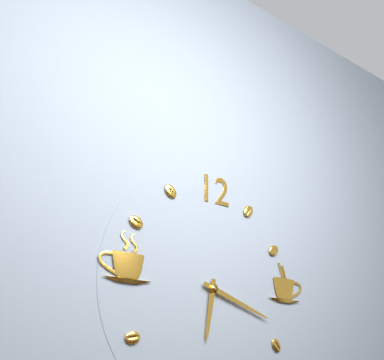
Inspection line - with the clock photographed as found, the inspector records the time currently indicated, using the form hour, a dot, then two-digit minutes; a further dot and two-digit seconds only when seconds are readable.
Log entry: 6.18
